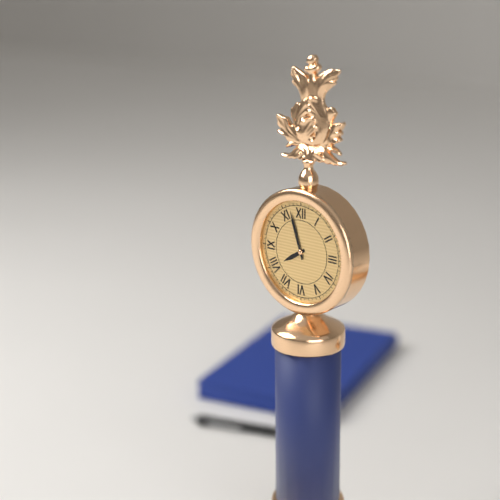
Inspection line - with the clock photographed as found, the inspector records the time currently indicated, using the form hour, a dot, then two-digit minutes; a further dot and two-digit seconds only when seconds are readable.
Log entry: 7.57
